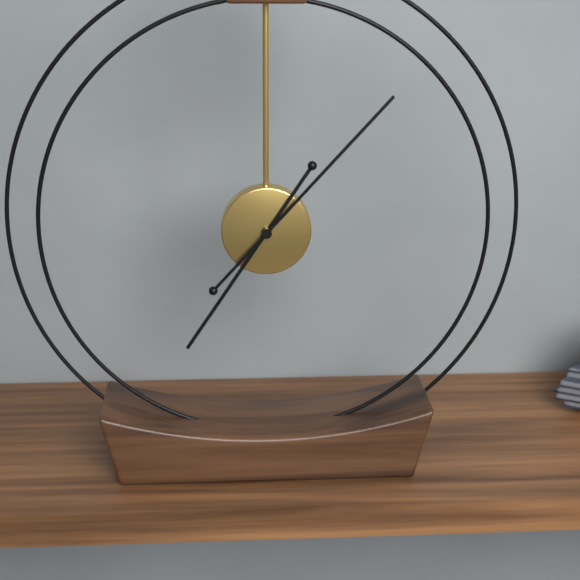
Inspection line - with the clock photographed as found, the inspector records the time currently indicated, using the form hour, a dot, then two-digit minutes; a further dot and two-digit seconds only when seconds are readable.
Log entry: 7.07
